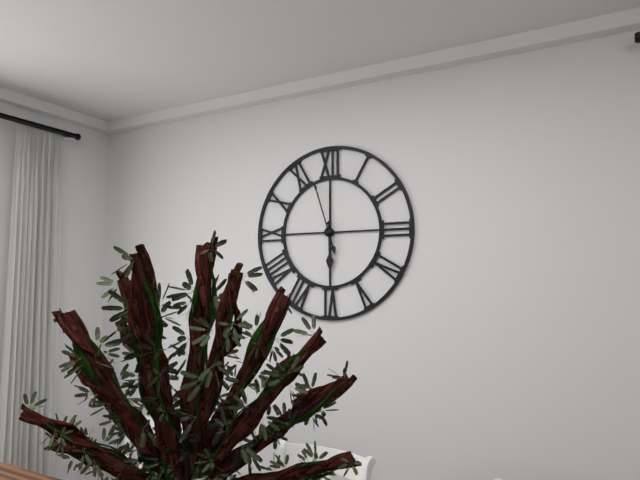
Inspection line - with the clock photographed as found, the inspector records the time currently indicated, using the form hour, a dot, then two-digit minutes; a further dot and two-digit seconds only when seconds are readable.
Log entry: 5.57
